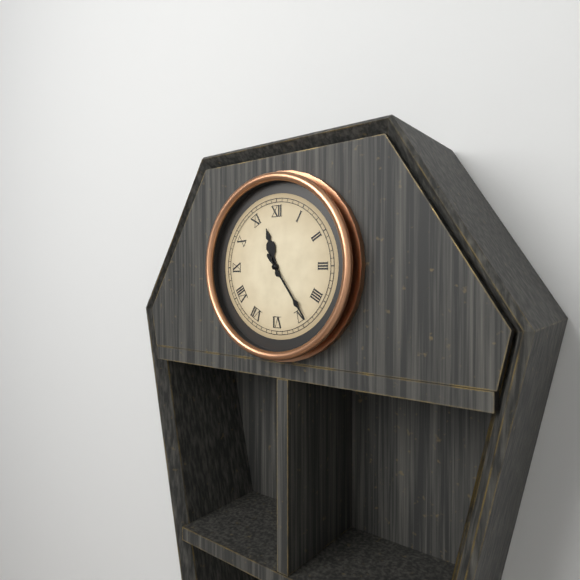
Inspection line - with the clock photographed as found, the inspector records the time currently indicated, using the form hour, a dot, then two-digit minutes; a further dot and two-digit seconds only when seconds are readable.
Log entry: 11.24
